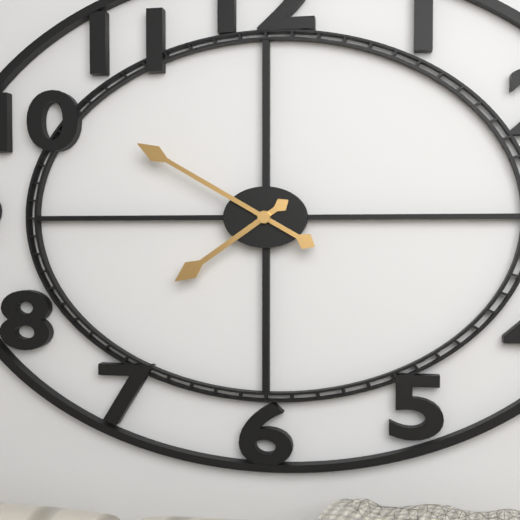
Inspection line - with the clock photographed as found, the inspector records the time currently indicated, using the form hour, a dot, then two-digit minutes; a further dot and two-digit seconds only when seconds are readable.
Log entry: 7.50
